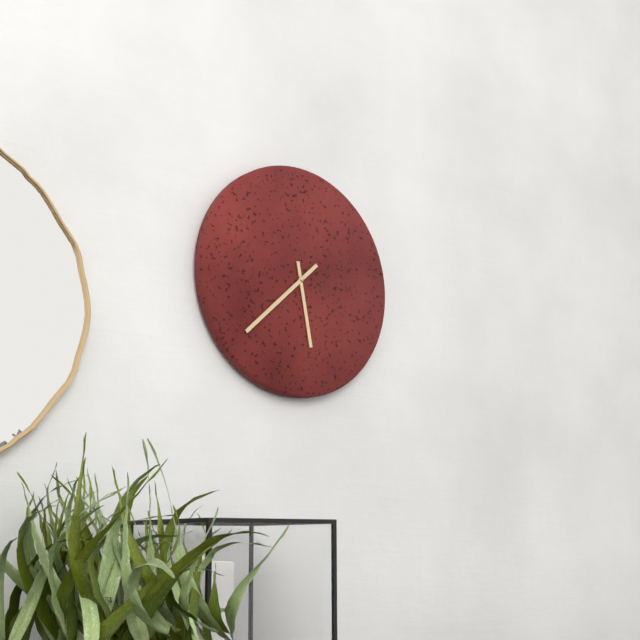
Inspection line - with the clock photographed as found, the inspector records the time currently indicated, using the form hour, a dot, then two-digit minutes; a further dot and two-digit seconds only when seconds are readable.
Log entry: 5.38
